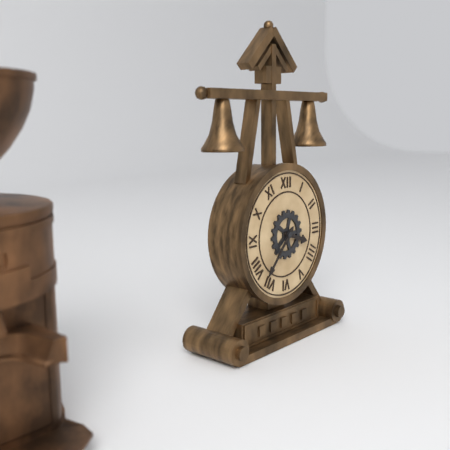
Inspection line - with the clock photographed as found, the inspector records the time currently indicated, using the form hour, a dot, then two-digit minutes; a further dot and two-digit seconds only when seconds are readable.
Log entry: 3.37
